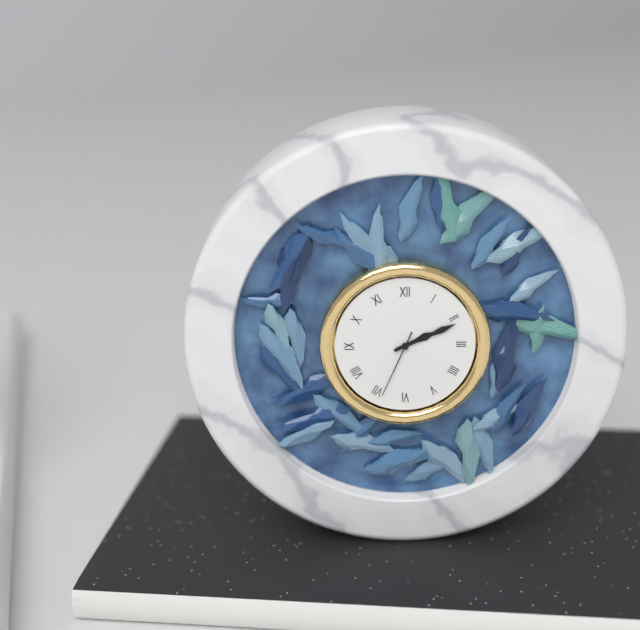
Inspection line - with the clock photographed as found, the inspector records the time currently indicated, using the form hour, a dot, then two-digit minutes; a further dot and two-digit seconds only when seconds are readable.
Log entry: 2.11.34
